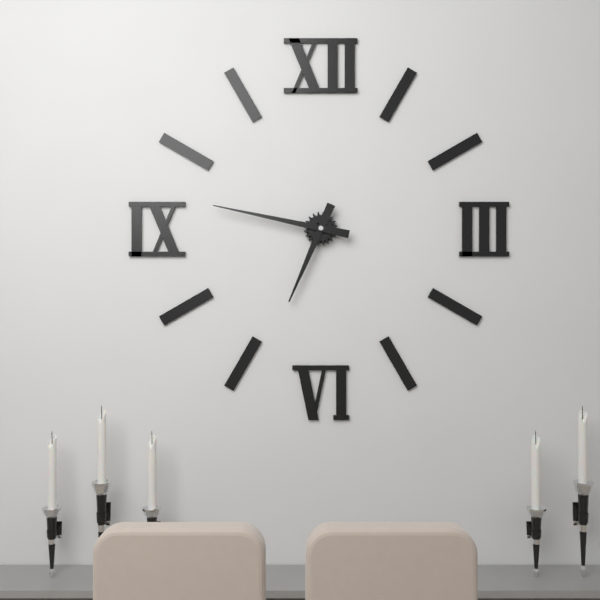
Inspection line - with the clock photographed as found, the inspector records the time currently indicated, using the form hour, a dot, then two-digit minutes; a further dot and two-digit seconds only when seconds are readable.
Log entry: 6.47
